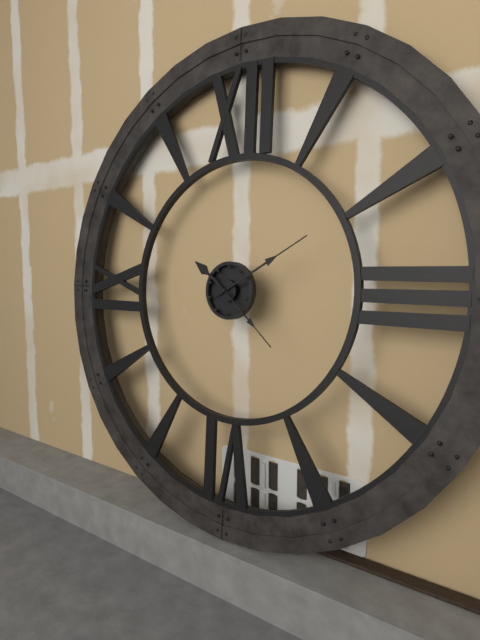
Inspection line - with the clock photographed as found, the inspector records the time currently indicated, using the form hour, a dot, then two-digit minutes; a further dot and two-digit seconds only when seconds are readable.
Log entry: 10.10.22
